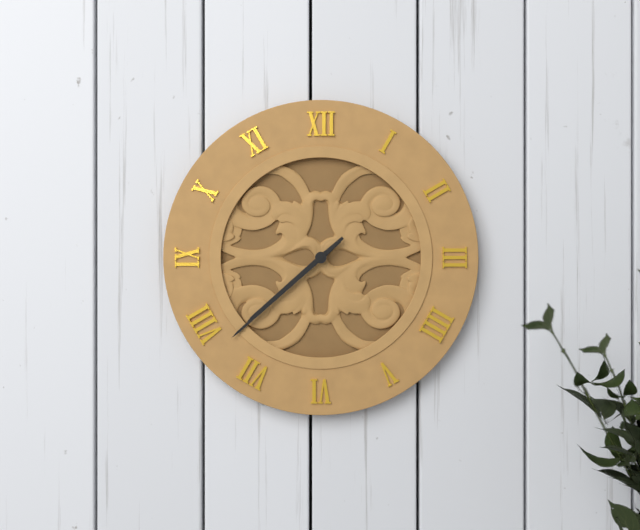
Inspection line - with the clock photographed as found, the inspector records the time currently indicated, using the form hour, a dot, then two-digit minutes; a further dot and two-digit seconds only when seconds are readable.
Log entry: 7.38
